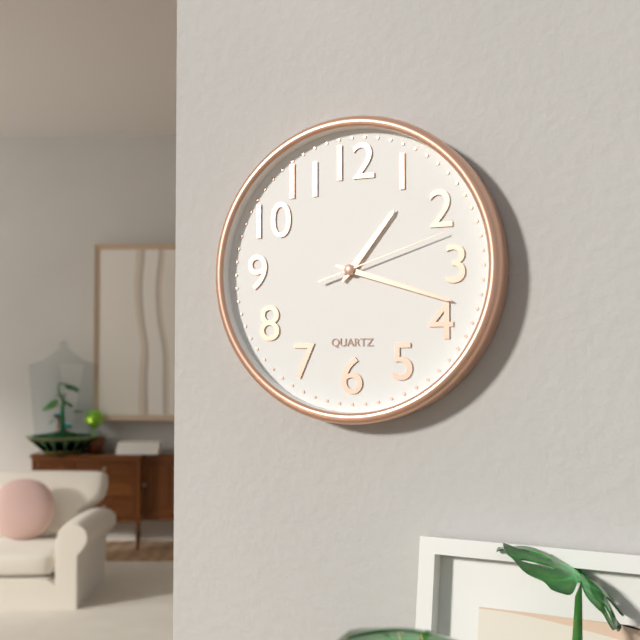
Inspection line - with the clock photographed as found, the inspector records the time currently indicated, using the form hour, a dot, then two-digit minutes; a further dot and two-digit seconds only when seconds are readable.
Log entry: 1.18.12
